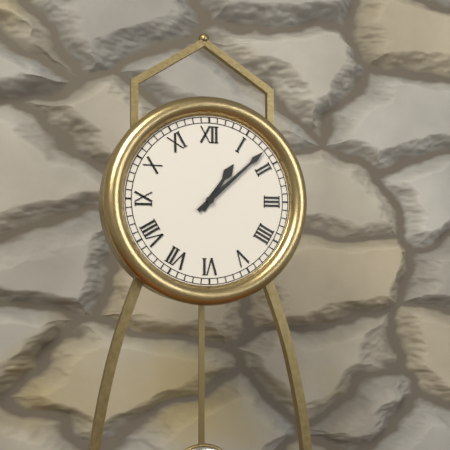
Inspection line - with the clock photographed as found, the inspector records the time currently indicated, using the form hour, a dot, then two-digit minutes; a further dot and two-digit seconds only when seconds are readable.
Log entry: 1.08
